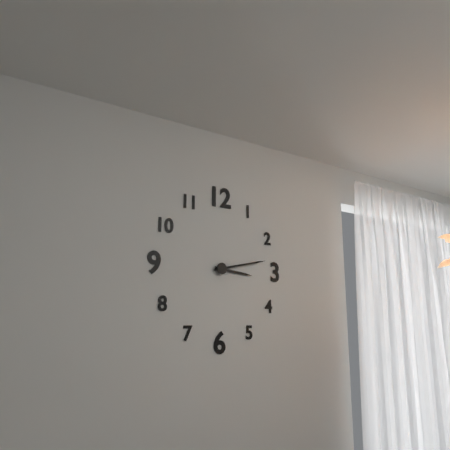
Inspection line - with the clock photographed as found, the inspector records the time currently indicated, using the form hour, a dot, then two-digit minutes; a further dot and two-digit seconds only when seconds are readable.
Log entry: 3.13
